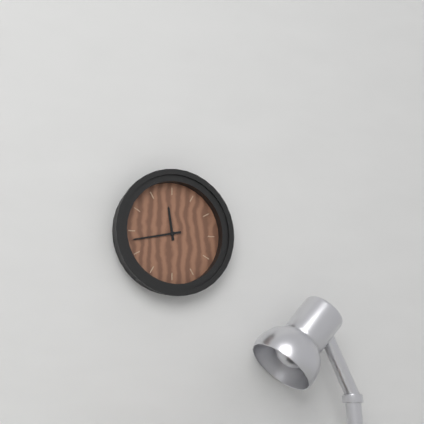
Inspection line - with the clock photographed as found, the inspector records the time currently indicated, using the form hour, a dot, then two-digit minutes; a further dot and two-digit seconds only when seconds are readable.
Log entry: 11.43
